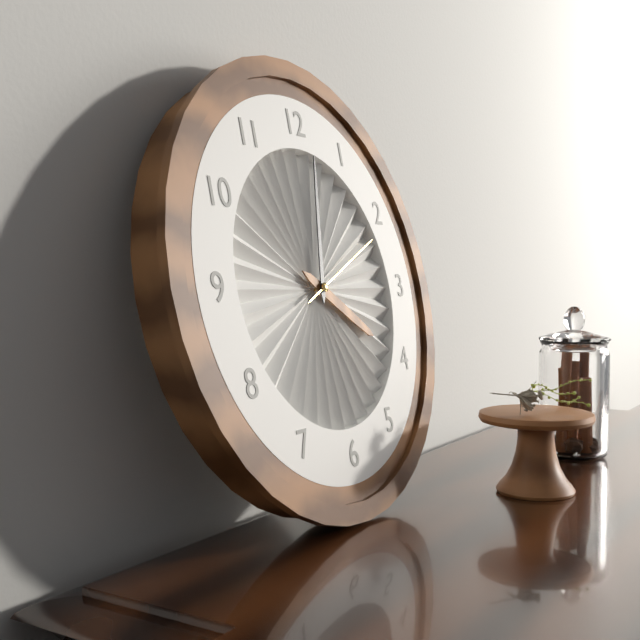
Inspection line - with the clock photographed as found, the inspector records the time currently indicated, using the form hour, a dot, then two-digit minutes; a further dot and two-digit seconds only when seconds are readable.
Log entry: 4.02.11
